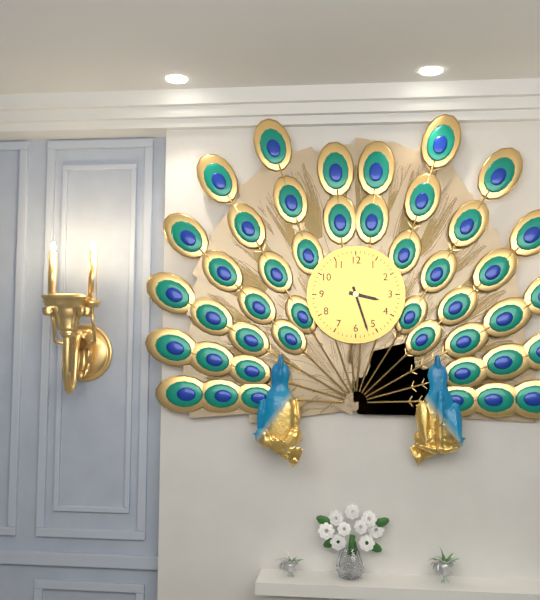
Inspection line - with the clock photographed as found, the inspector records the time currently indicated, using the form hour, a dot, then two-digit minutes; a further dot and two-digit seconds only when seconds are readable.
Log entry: 3.27
